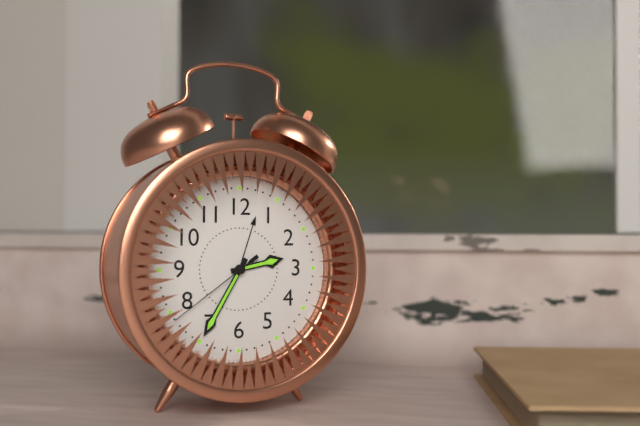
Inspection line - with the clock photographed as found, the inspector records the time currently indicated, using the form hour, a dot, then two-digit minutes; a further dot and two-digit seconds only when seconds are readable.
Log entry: 2.35.39
